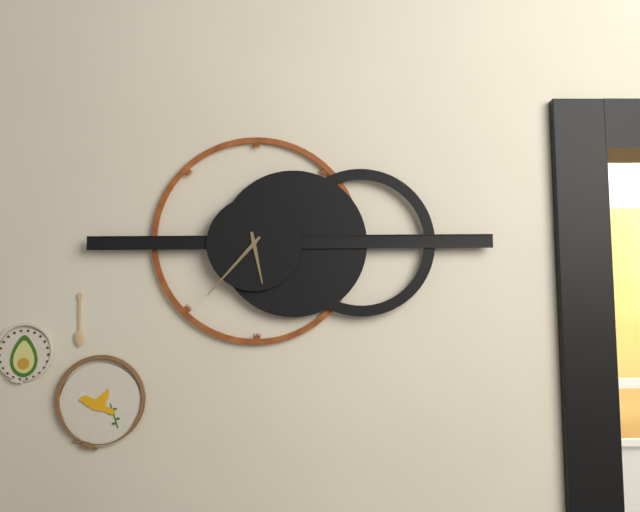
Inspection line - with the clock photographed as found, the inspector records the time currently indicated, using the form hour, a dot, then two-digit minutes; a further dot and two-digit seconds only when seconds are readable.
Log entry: 5.37
